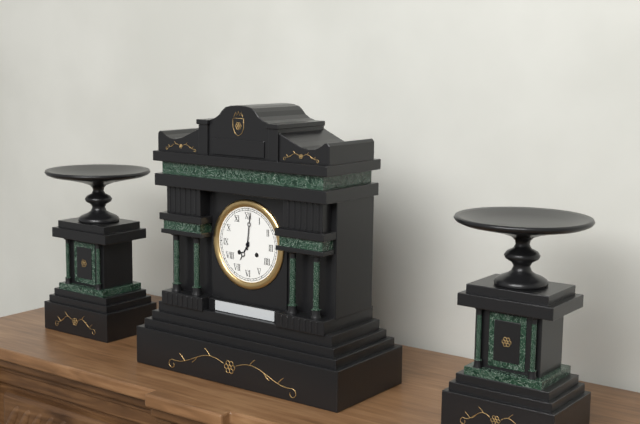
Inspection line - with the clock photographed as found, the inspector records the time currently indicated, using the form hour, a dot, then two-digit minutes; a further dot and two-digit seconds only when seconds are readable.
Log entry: 7.01
